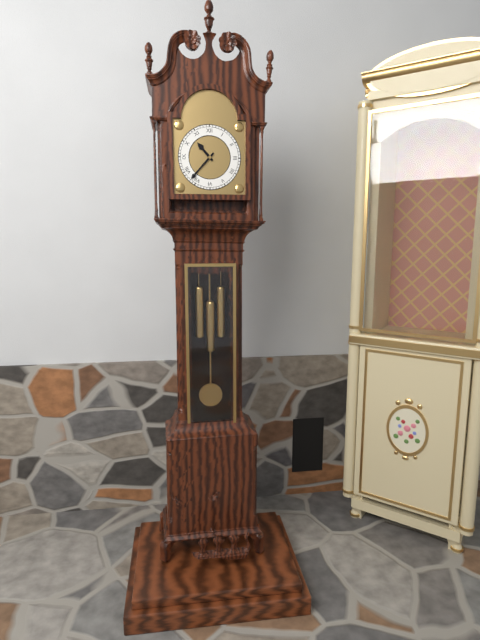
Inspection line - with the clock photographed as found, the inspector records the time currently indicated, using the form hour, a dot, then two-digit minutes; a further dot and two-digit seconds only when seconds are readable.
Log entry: 10.37
